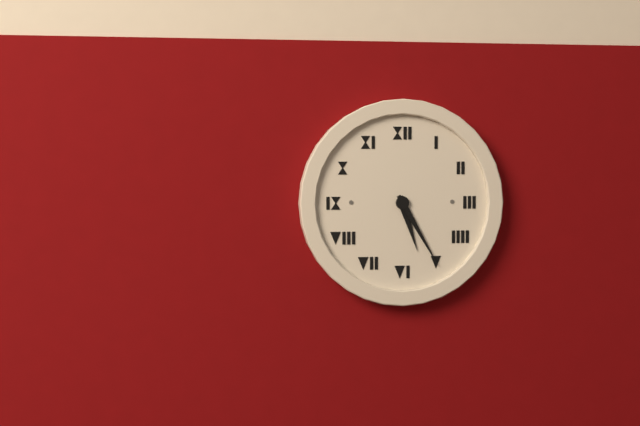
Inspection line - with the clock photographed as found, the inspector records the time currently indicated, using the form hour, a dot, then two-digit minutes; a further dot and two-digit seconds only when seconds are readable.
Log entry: 5.25
